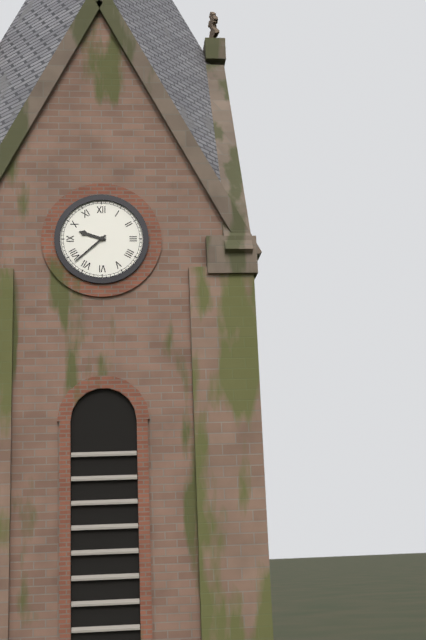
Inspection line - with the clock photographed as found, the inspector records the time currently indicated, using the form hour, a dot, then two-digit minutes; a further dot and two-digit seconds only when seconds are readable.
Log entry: 9.38
